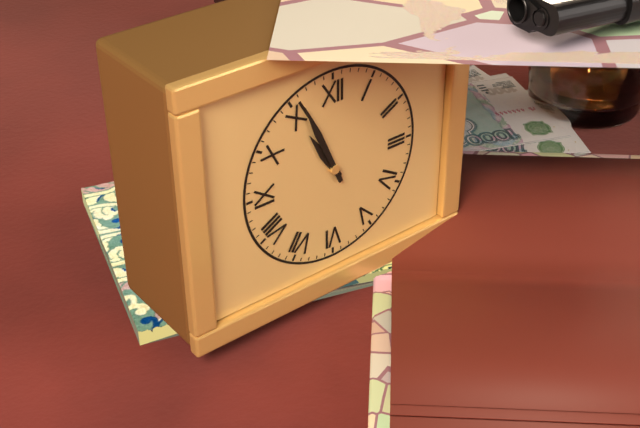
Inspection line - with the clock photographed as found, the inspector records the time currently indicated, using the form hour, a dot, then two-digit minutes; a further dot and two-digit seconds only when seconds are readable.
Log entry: 10.56
